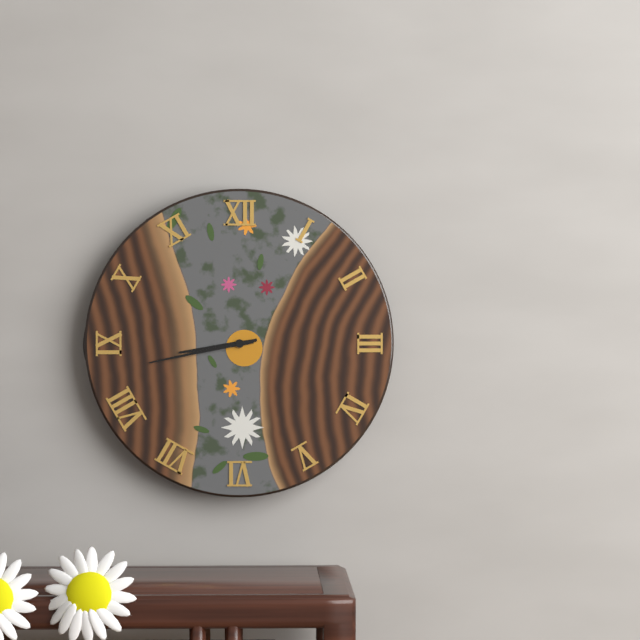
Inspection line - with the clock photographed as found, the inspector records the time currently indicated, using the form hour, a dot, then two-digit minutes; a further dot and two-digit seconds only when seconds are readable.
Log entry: 8.43
